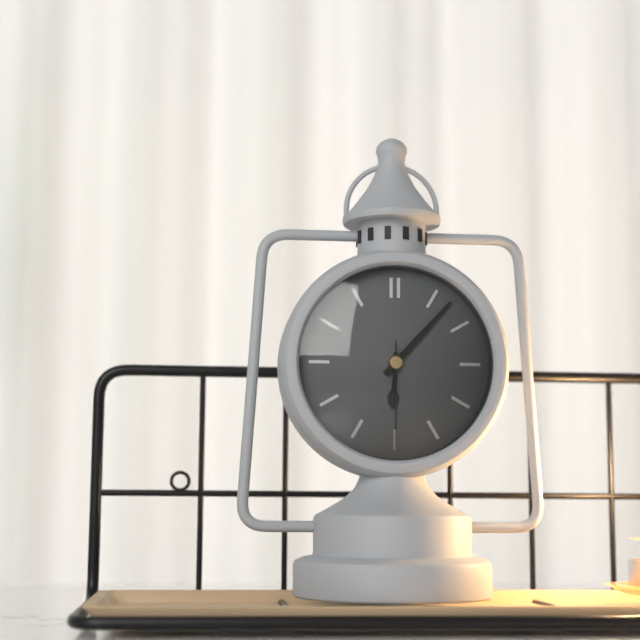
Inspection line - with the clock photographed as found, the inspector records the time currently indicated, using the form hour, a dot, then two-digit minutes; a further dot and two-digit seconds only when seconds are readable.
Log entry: 6.07.30
